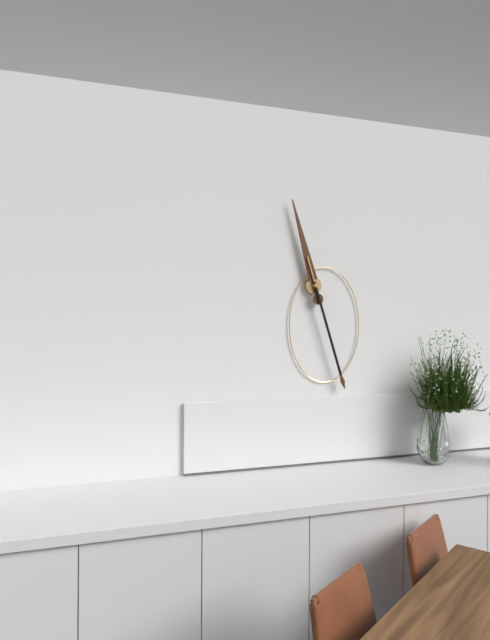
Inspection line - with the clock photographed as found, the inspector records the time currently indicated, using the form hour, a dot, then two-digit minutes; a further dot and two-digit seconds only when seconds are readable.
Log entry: 11.27
